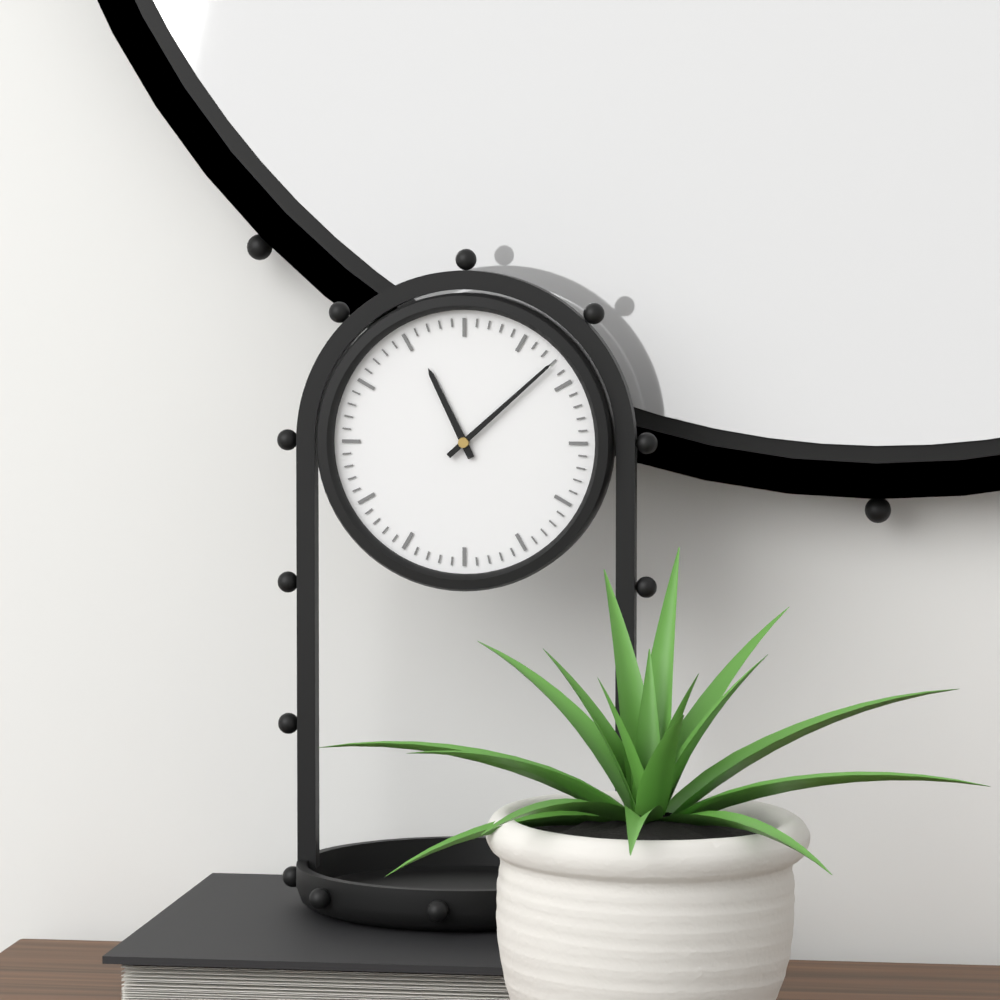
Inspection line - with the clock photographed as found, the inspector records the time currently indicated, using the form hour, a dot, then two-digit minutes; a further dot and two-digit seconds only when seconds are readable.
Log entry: 11.08
